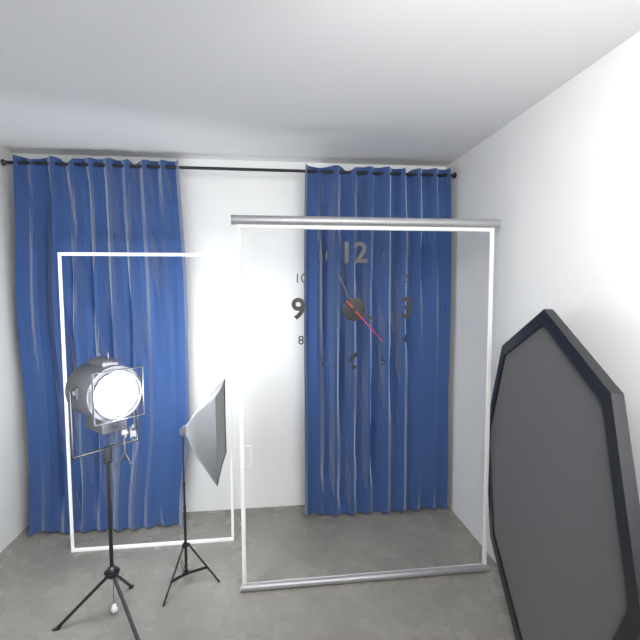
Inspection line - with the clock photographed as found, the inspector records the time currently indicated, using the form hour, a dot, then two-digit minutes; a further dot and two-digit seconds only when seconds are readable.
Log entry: 3.56.23
